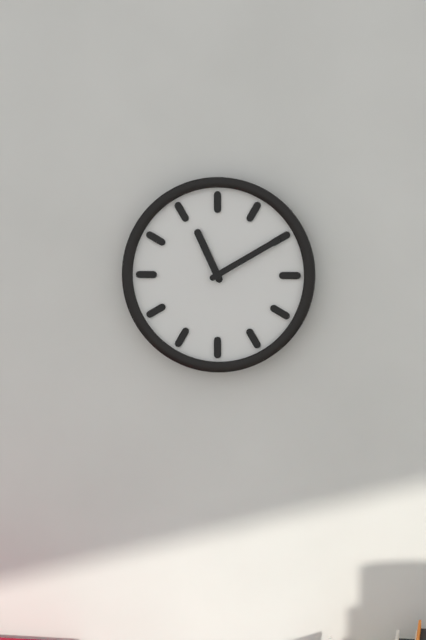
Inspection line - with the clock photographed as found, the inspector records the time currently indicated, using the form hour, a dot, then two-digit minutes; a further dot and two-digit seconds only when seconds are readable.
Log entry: 11.10
